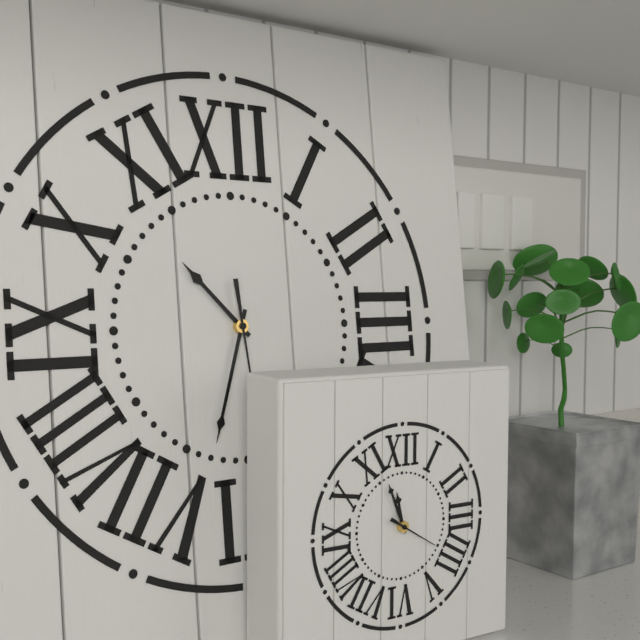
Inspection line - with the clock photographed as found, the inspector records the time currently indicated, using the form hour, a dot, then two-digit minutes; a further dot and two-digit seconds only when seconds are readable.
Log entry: 10.33
